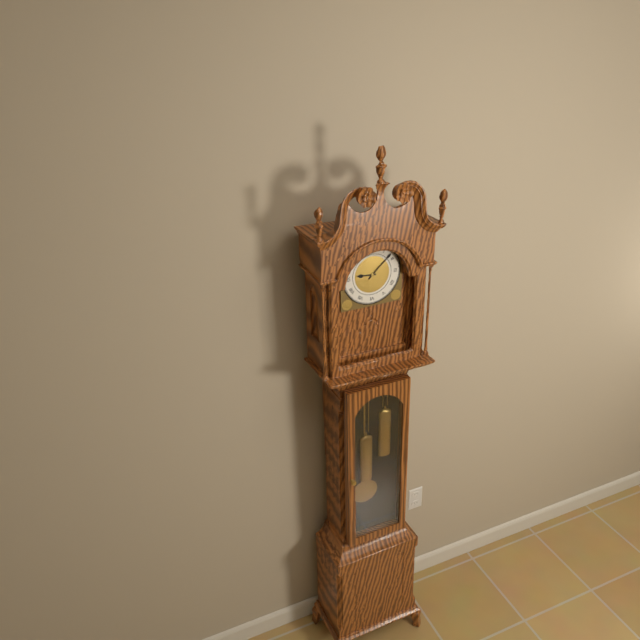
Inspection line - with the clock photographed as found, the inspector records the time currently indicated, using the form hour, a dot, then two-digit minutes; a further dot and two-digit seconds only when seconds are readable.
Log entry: 9.08
